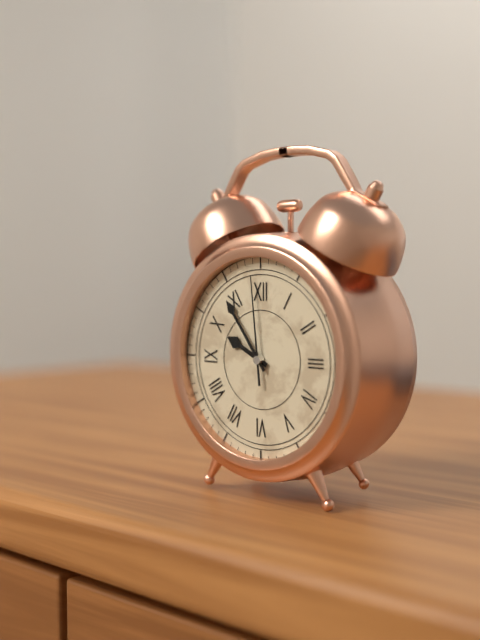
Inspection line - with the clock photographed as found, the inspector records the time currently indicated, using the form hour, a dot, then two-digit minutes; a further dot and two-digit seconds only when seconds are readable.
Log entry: 9.54.59
